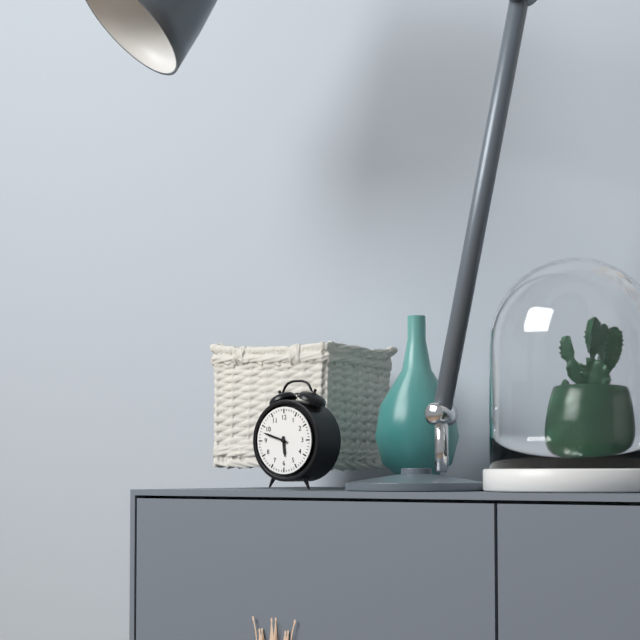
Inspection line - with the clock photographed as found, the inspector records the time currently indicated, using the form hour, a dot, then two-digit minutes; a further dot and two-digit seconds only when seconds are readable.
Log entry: 5.48
